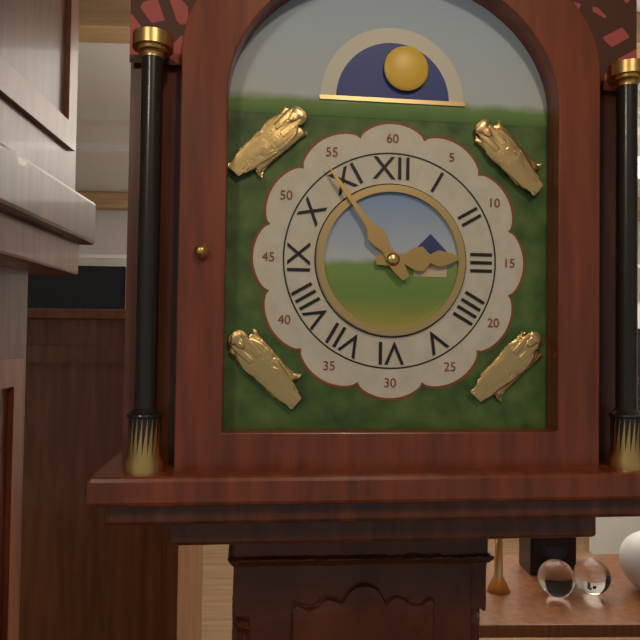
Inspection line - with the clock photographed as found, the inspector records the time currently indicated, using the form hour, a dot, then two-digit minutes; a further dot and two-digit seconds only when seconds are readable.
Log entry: 2.54
